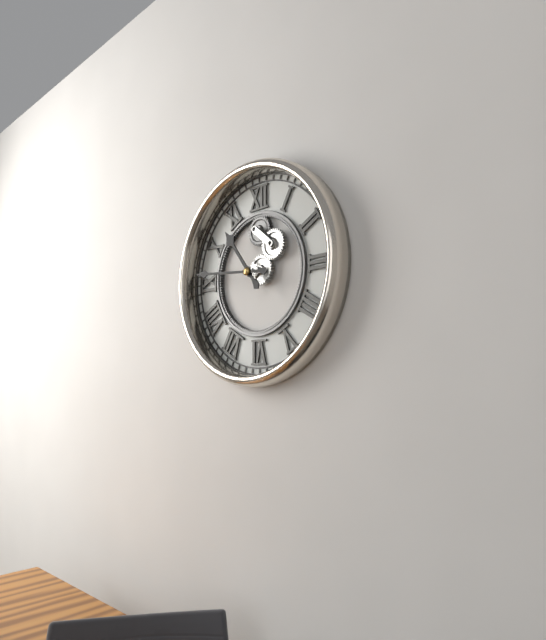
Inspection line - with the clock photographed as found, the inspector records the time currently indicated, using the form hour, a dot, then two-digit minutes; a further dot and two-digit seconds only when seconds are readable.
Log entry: 10.46
